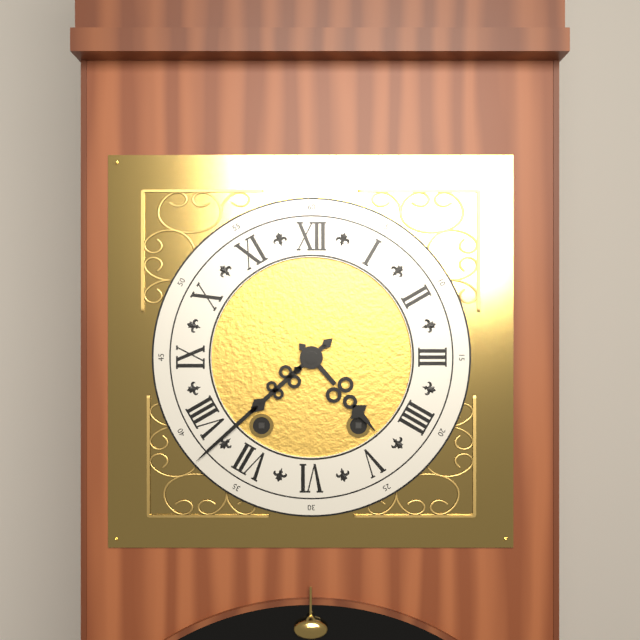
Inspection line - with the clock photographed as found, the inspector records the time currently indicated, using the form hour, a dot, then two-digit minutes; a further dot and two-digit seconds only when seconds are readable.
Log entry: 4.38
